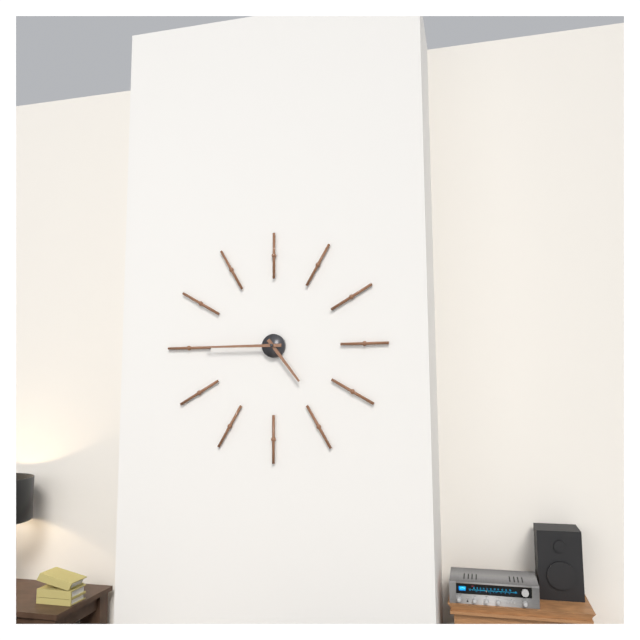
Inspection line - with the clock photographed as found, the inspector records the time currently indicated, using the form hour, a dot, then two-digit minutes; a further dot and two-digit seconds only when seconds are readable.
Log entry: 4.45
